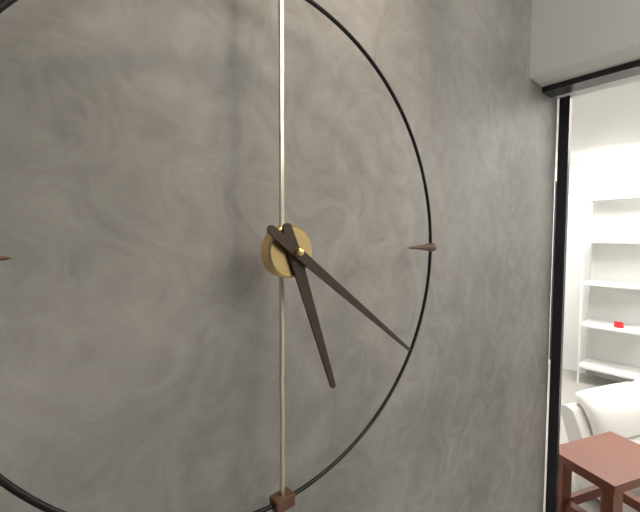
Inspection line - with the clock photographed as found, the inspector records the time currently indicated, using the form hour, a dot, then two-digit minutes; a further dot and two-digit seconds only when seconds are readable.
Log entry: 5.21
